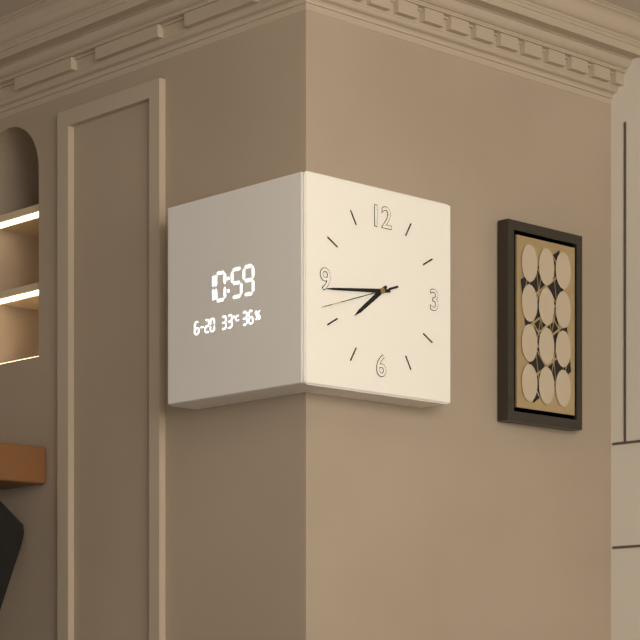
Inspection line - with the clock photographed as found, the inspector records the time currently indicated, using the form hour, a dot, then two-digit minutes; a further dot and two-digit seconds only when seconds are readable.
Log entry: 7.44.42
